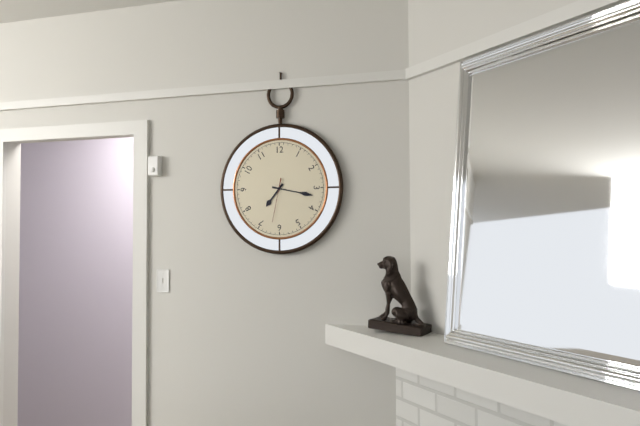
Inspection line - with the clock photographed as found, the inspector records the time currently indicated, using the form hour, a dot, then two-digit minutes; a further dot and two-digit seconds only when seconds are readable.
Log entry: 7.17
